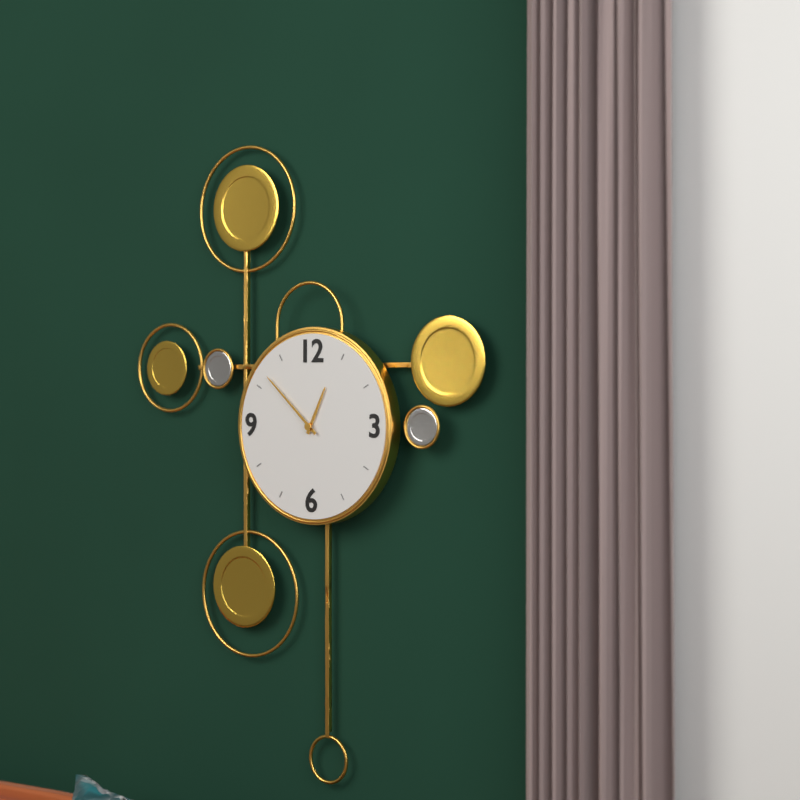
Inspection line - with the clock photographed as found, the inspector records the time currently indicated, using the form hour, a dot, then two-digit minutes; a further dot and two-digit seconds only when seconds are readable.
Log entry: 12.52
